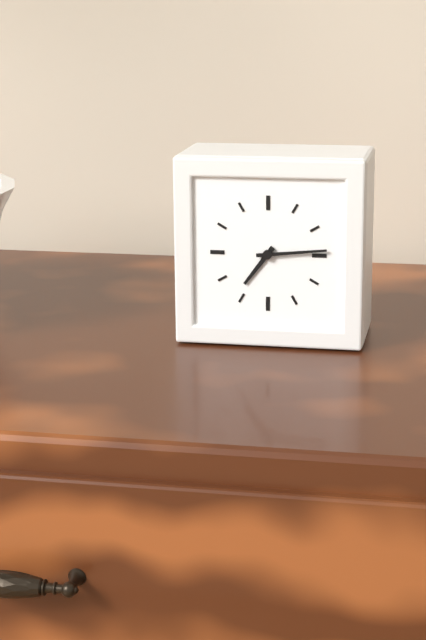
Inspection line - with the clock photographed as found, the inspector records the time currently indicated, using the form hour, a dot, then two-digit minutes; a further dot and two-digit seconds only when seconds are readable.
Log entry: 7.14
